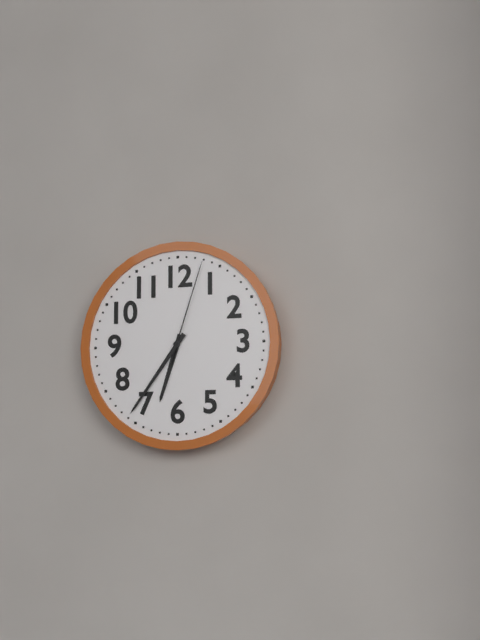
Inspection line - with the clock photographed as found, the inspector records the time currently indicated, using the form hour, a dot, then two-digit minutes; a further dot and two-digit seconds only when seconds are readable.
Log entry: 6.36.03
